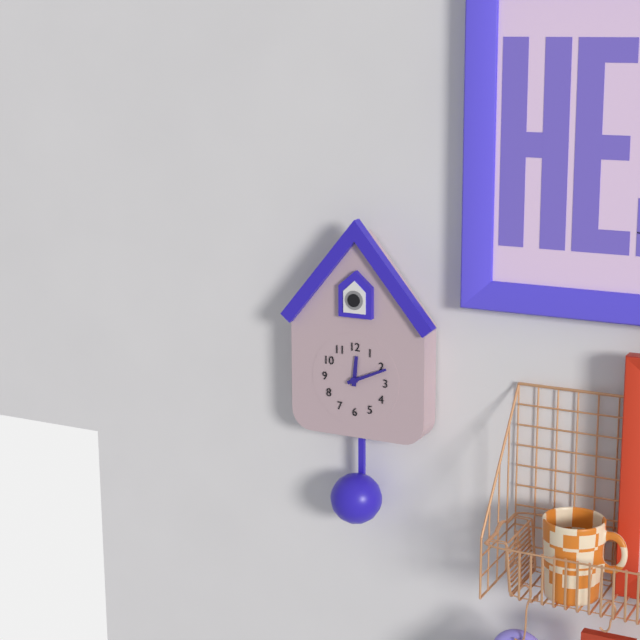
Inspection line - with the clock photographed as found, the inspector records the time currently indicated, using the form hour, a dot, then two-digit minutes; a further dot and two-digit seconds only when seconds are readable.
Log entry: 12.11
